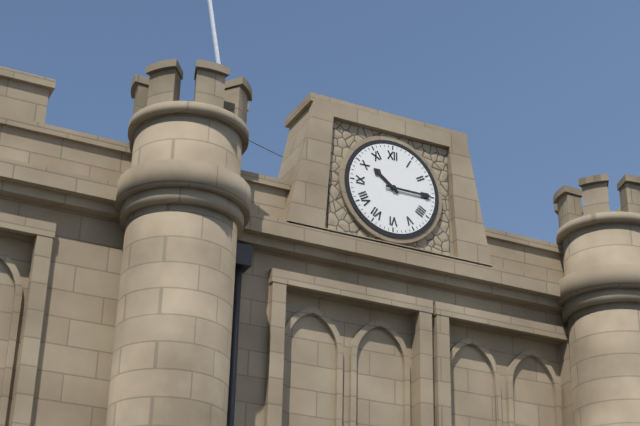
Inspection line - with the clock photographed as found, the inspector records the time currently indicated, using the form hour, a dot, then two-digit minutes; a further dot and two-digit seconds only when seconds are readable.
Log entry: 10.15
